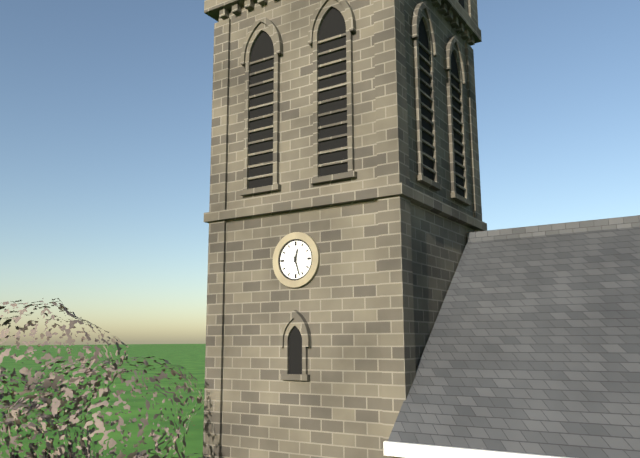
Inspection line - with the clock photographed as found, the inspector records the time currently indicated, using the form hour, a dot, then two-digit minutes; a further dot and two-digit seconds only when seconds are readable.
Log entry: 12.27
